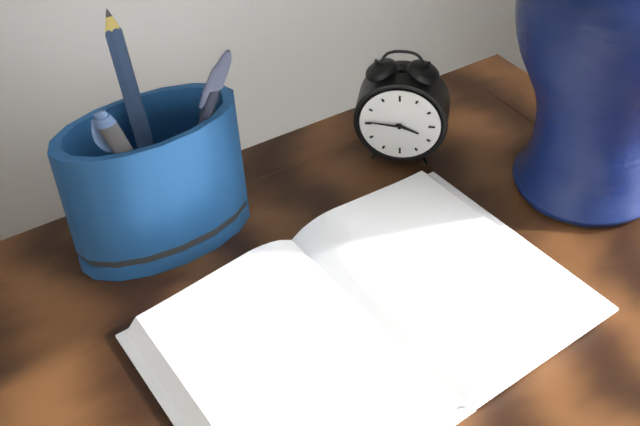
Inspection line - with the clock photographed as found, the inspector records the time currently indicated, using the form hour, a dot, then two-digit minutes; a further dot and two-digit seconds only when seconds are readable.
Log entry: 3.46
